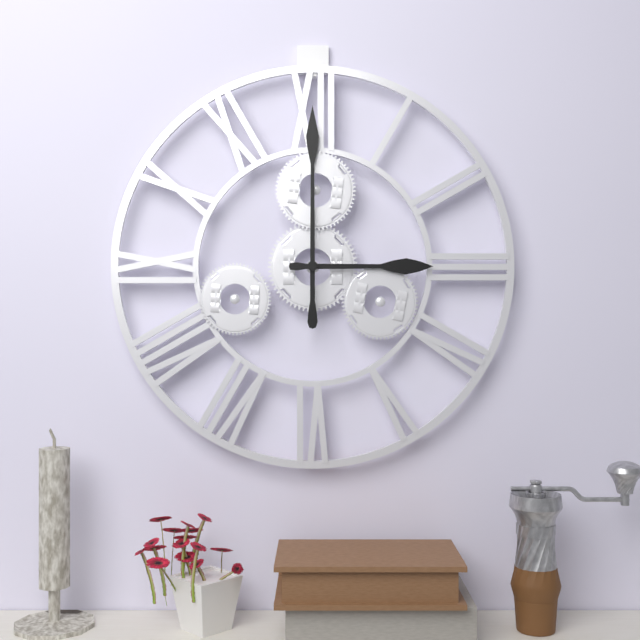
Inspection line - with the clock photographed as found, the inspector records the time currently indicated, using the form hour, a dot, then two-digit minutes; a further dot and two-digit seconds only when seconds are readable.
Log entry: 3.00
